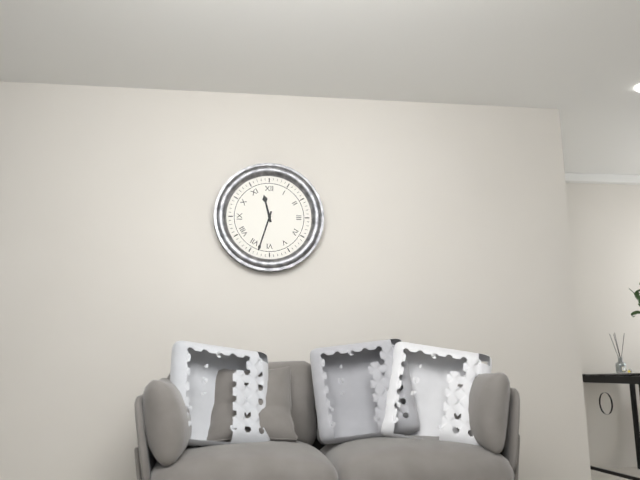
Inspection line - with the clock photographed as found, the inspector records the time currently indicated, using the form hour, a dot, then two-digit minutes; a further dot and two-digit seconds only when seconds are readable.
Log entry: 11.33
